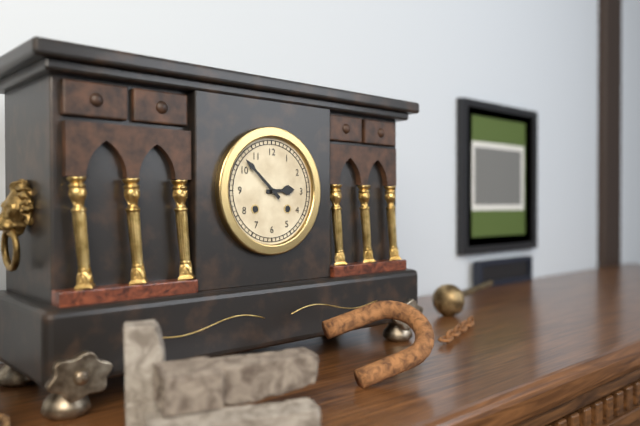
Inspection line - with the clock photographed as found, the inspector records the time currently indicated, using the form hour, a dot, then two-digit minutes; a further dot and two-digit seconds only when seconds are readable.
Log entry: 2.52
